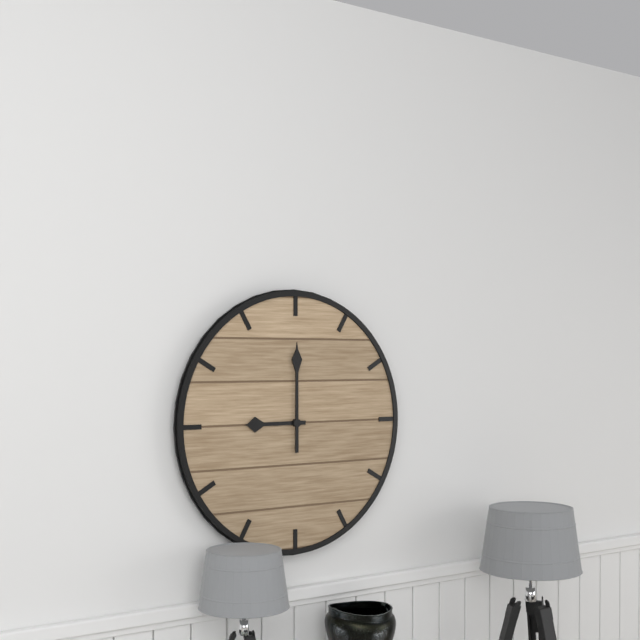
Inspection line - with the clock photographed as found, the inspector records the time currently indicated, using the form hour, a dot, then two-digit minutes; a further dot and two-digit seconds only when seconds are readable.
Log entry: 9.00
